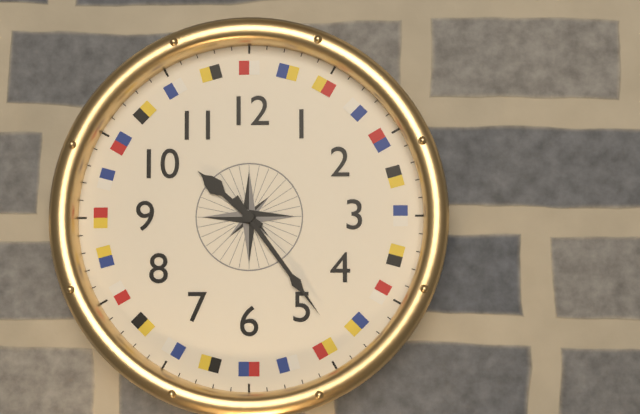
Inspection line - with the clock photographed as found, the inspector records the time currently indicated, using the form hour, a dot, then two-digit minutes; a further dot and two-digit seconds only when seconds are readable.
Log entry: 10.24
